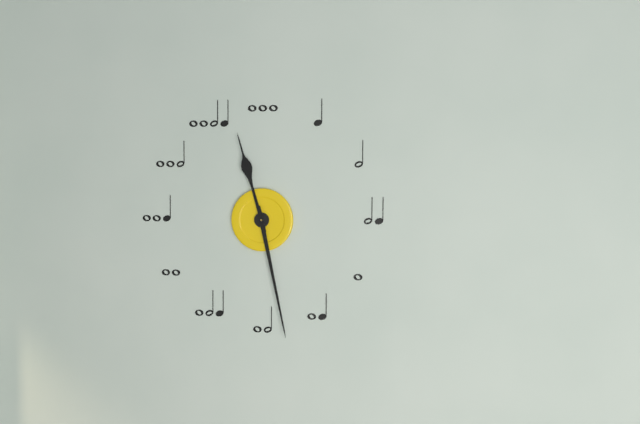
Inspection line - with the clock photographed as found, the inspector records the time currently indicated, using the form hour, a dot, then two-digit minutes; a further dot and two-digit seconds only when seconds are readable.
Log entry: 11.28
